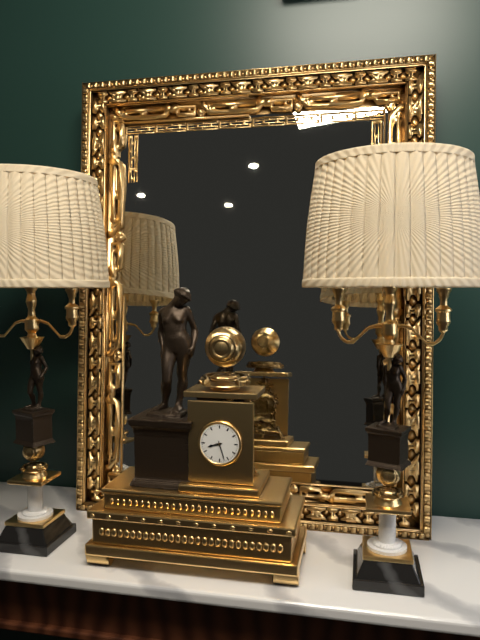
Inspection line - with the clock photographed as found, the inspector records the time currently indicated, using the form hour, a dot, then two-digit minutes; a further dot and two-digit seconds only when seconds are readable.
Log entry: 8.27
